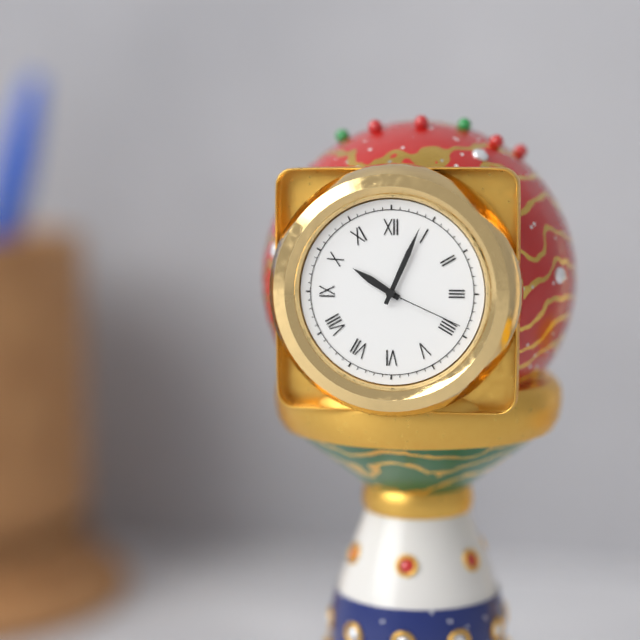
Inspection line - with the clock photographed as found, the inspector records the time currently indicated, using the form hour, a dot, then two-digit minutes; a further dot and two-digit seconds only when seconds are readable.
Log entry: 10.04.19
